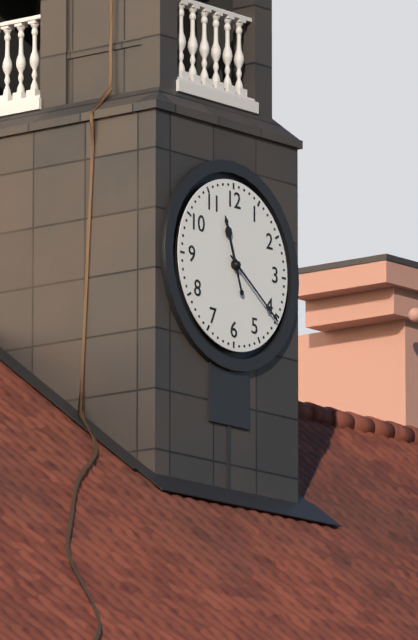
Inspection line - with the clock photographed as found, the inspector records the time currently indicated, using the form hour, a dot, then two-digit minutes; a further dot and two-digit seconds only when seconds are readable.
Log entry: 11.21
